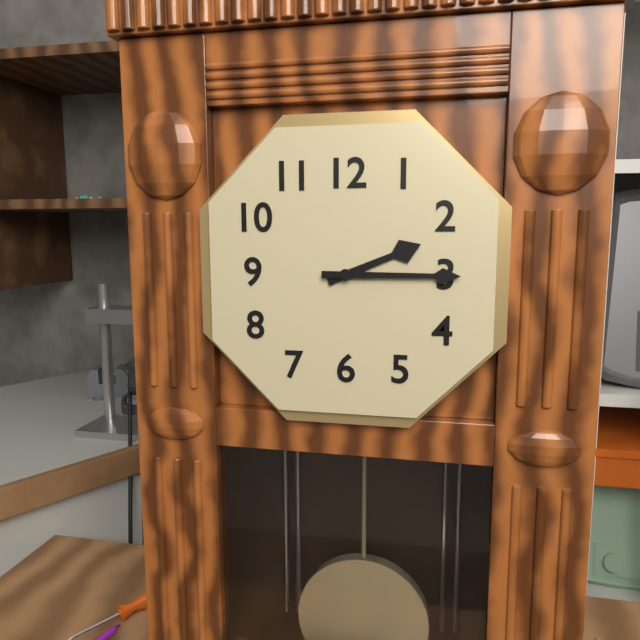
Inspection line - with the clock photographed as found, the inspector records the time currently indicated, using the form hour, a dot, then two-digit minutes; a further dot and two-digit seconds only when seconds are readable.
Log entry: 2.15
